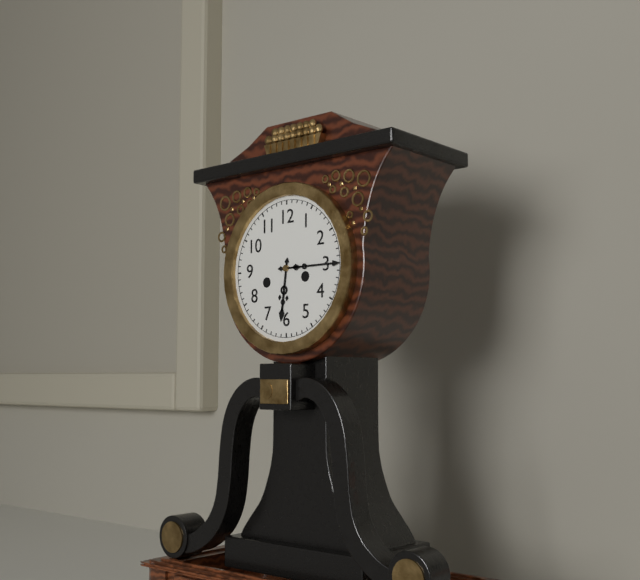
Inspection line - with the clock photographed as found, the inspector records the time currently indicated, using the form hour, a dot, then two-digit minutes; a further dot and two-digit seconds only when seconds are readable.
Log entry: 6.15
